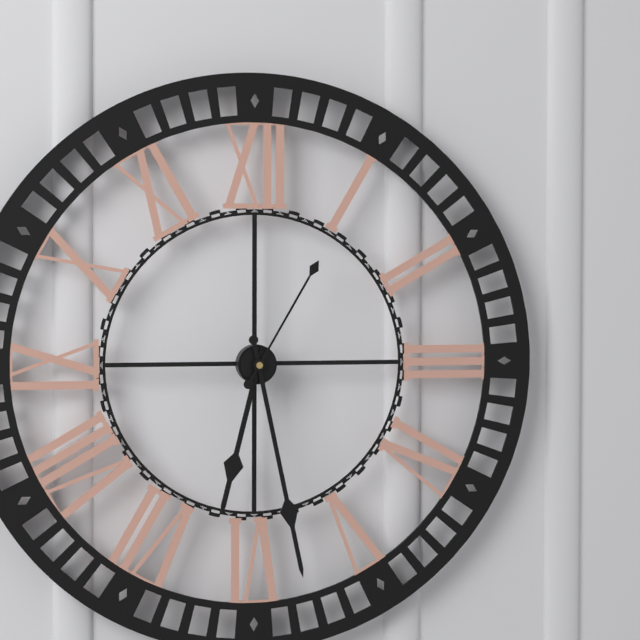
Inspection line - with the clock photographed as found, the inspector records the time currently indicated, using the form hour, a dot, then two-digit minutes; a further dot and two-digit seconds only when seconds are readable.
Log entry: 6.28.05
